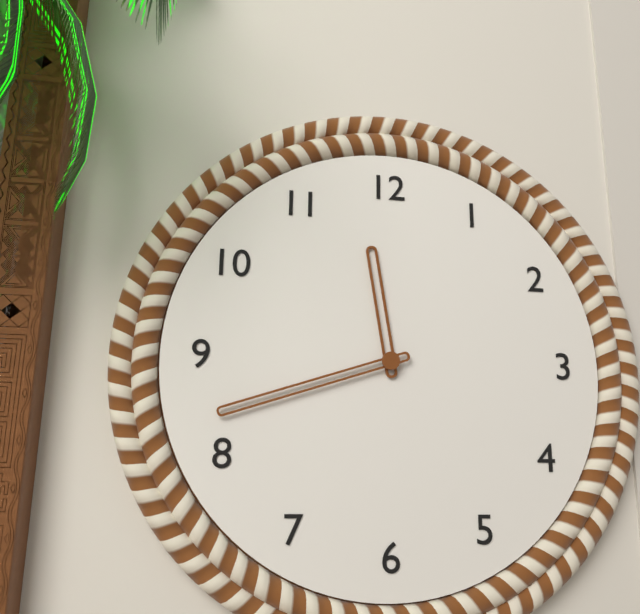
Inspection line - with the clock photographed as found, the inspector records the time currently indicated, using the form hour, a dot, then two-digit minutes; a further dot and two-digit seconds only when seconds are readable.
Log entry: 11.42
